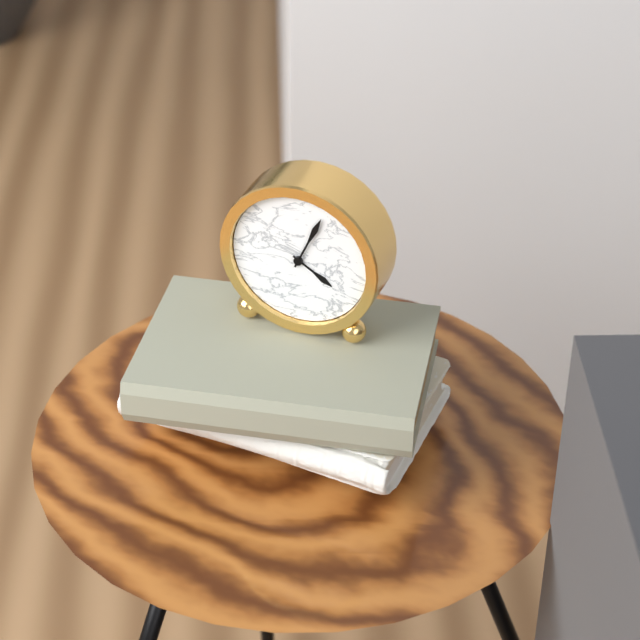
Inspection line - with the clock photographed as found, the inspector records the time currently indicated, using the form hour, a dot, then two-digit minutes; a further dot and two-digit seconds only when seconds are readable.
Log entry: 4.04
